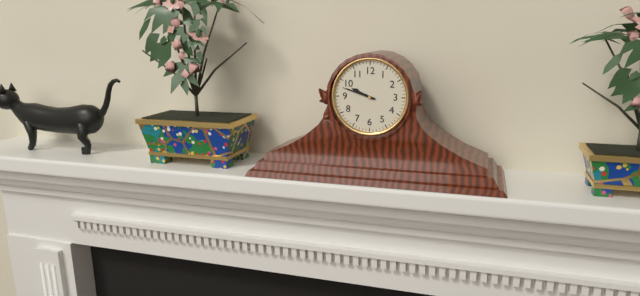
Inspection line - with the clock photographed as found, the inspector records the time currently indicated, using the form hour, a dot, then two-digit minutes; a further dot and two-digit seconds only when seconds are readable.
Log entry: 9.48
